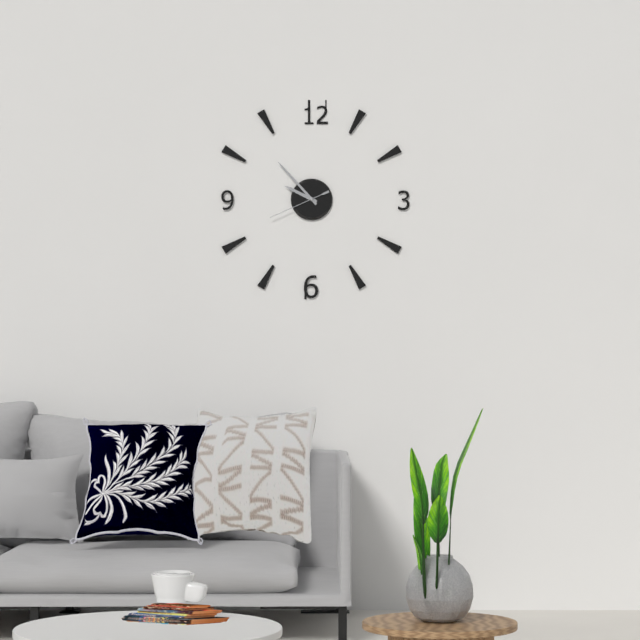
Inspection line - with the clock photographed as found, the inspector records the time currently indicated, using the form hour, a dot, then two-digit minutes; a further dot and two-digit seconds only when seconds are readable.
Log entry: 9.53.41
